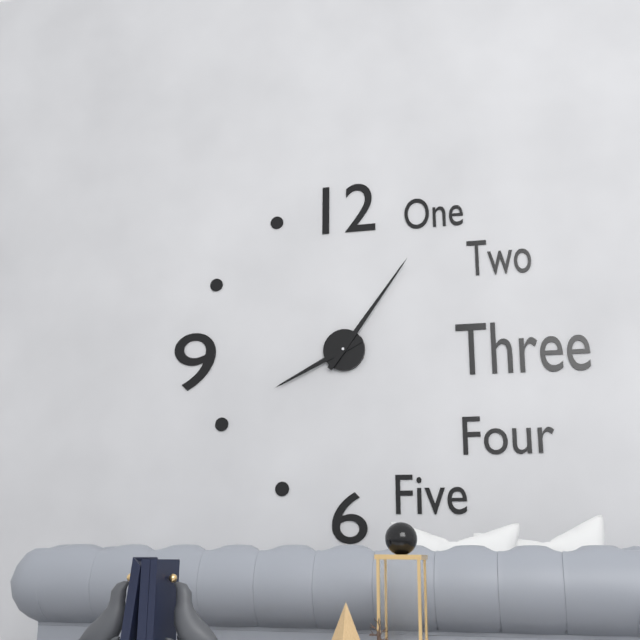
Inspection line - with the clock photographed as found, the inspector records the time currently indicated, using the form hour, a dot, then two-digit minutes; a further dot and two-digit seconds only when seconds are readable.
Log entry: 8.06
